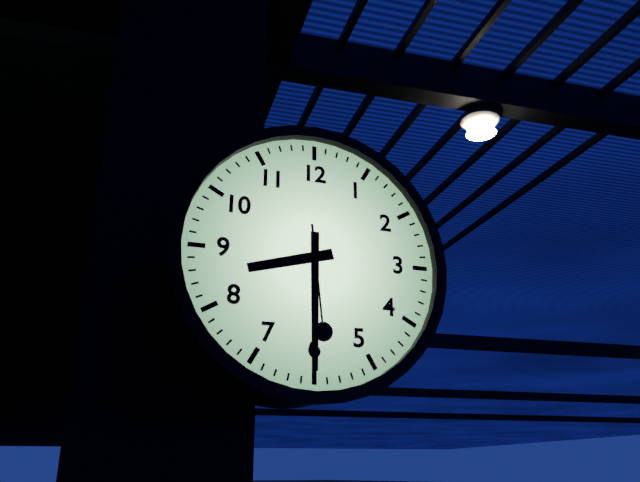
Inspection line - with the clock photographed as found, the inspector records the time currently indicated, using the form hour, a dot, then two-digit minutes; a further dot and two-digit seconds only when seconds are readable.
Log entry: 8.30.29
